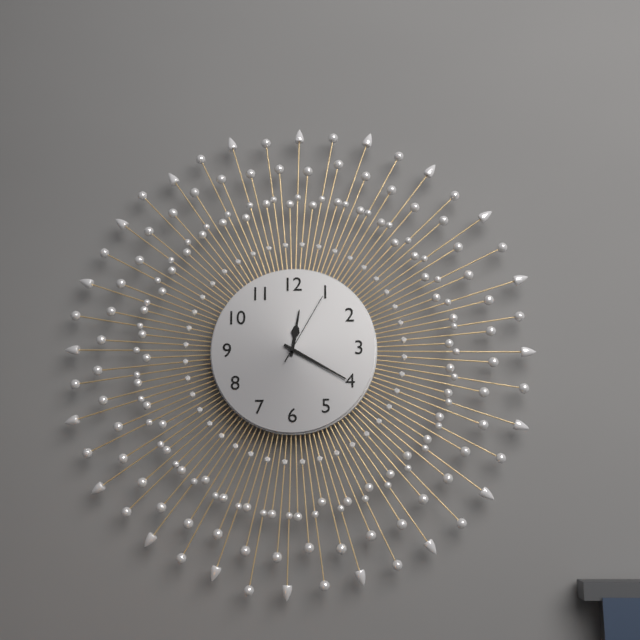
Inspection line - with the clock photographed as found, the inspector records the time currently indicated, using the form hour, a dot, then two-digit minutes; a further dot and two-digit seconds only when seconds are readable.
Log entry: 12.20.05
